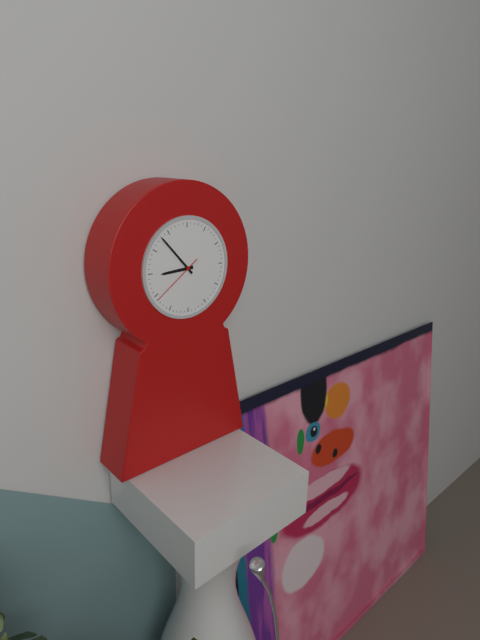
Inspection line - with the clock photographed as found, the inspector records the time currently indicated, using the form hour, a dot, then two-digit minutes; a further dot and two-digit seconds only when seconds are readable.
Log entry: 8.53.39
